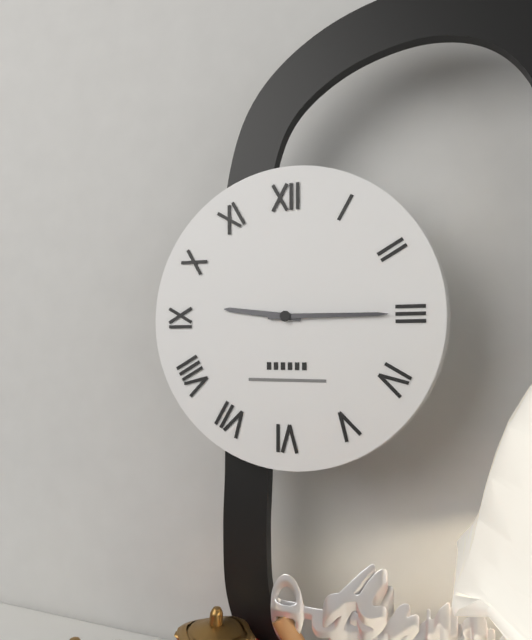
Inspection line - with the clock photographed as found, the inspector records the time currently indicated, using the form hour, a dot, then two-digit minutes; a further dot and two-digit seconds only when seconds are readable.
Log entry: 9.15
